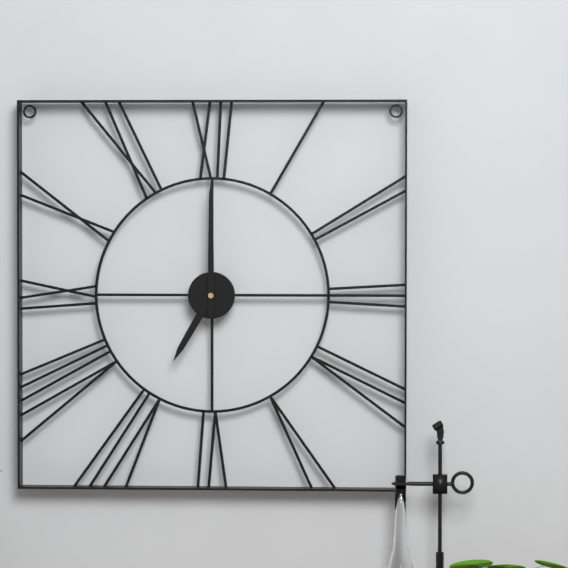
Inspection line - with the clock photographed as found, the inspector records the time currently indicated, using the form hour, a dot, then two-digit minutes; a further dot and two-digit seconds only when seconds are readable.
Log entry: 7.00
